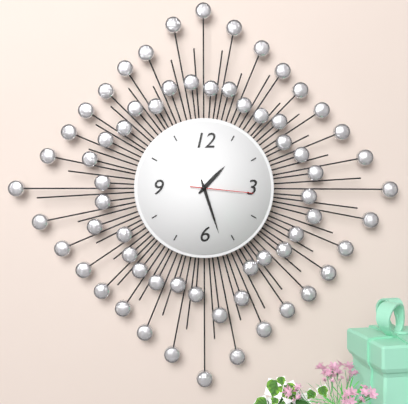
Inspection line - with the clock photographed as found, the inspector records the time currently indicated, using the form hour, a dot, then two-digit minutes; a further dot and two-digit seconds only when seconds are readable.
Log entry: 1.27.16
